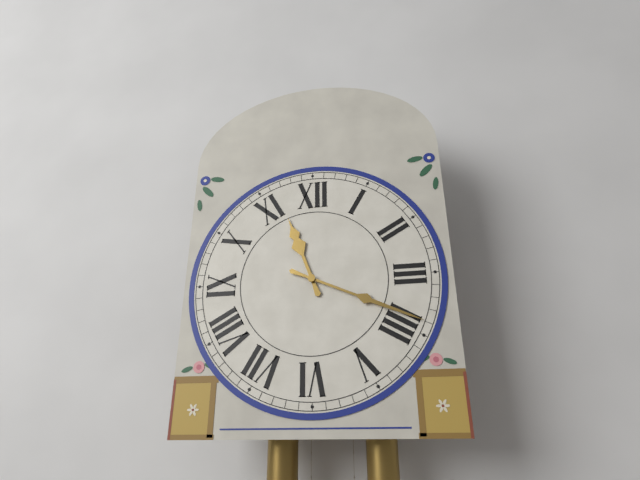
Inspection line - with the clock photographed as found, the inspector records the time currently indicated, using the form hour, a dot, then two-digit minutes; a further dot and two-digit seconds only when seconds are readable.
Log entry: 11.19
